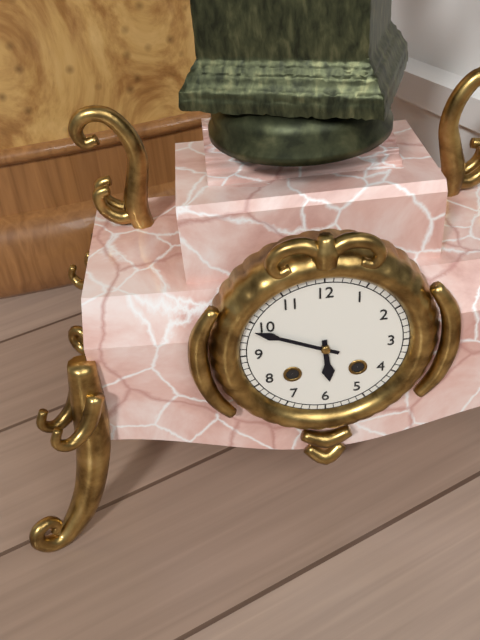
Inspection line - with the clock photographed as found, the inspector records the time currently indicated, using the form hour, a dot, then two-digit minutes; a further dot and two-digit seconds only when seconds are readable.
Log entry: 5.49
